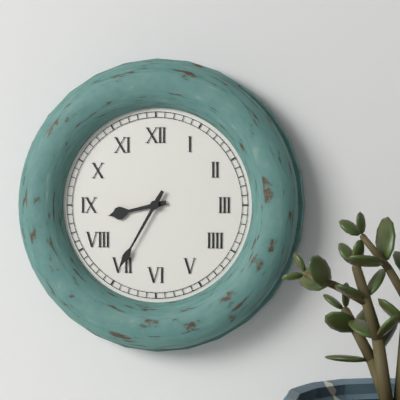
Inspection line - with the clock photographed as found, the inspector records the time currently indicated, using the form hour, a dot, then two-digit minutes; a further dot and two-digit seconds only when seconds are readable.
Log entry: 8.35
